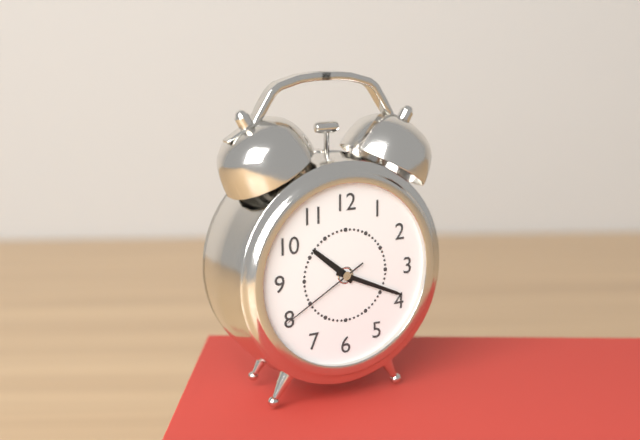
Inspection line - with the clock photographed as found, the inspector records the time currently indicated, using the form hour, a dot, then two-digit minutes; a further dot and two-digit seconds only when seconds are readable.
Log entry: 10.19.40
